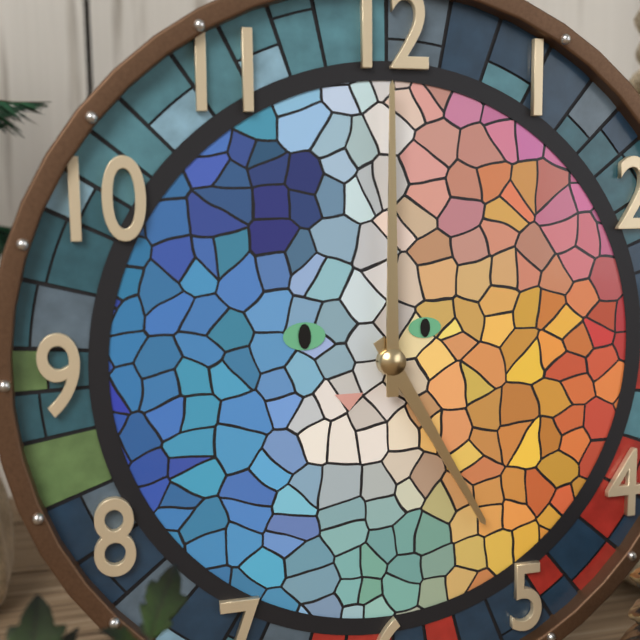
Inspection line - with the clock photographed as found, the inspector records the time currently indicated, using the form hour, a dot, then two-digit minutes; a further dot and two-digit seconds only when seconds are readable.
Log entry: 5.00
